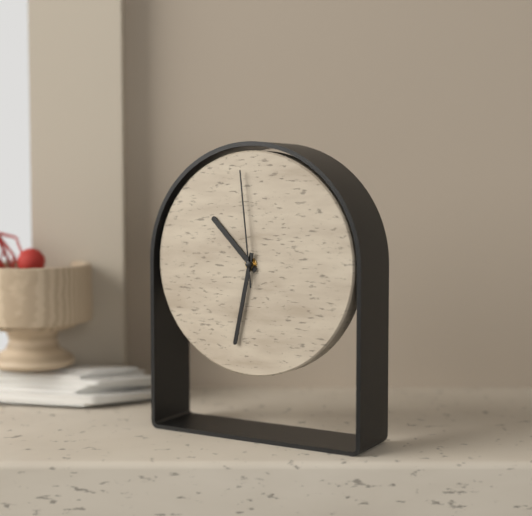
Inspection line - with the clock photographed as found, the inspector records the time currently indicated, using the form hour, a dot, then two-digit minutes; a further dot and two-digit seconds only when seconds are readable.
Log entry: 10.32.59
